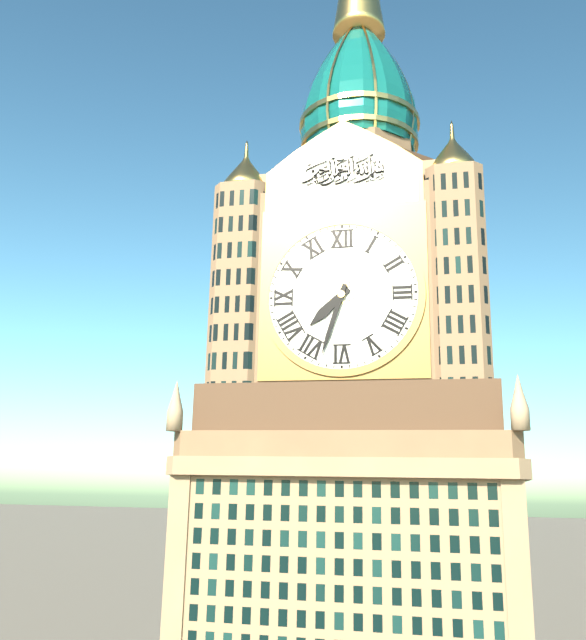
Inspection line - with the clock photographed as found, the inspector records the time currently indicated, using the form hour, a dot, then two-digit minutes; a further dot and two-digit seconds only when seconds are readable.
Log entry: 7.33
